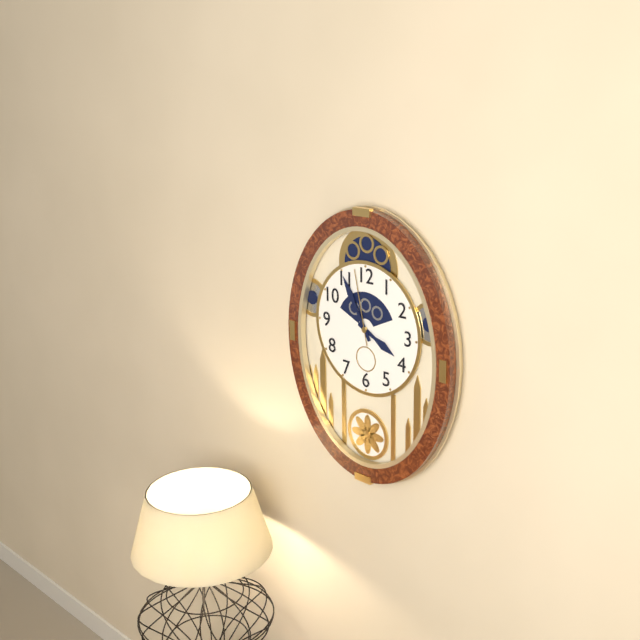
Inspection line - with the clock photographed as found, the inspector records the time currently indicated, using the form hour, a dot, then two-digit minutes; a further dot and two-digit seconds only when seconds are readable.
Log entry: 3.55.58
